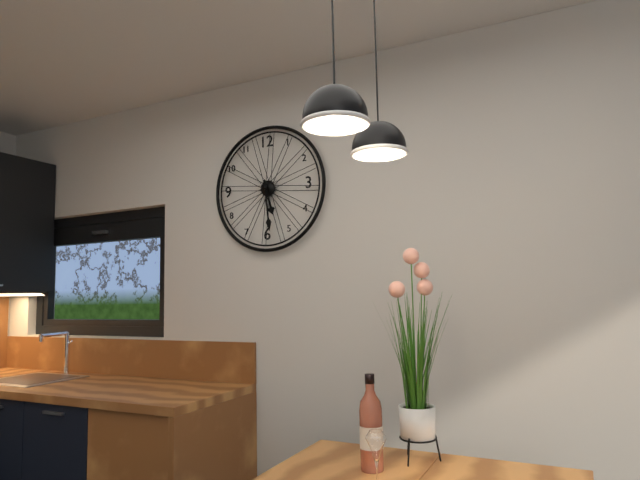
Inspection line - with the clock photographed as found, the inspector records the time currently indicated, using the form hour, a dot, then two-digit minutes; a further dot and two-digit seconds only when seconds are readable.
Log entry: 5.29
